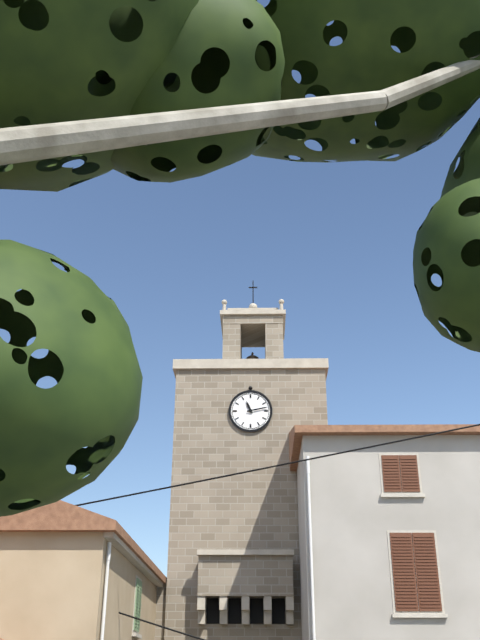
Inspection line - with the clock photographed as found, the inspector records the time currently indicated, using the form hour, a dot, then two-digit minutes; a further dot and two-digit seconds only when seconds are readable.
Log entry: 11.13
